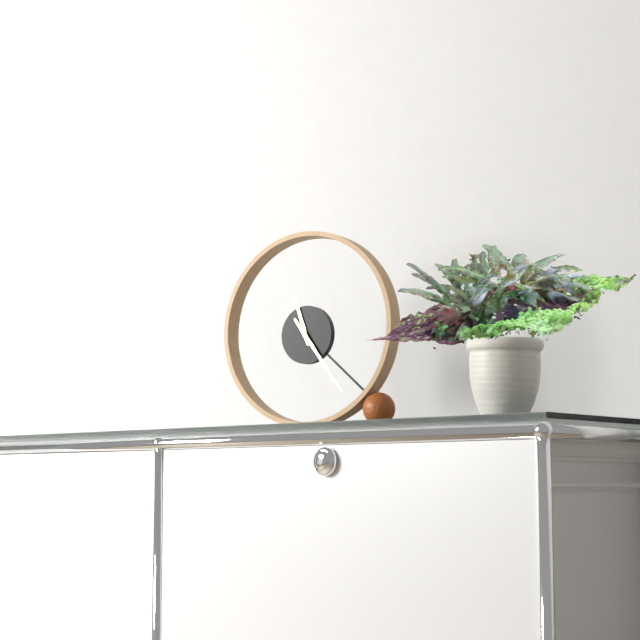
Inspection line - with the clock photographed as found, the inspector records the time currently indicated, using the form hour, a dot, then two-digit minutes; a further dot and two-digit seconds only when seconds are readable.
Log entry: 11.24
